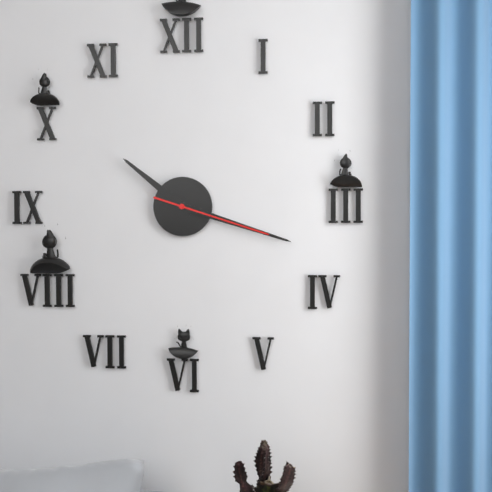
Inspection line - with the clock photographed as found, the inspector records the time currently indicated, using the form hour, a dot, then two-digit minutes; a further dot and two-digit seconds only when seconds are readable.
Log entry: 10.18.18
